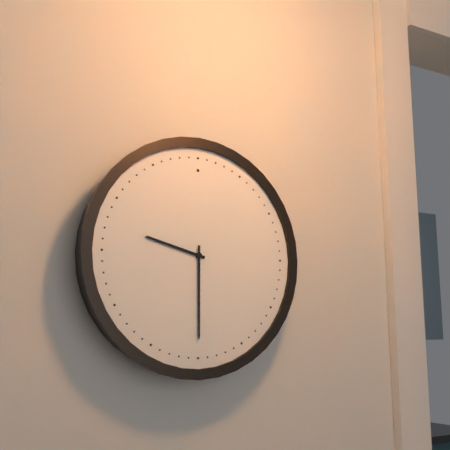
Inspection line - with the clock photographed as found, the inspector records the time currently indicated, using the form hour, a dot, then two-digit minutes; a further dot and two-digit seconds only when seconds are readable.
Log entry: 9.30
